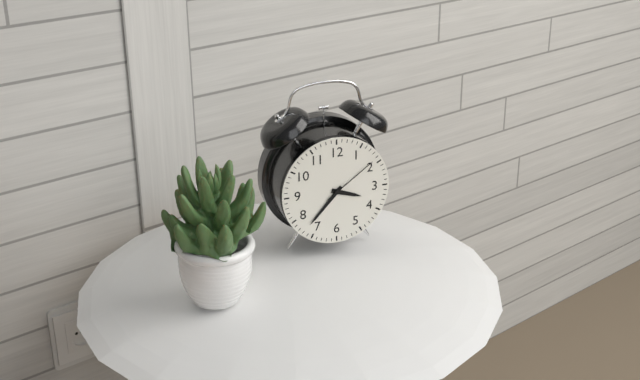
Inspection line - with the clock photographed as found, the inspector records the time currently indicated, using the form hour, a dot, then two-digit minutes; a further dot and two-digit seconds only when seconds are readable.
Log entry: 3.37.09
